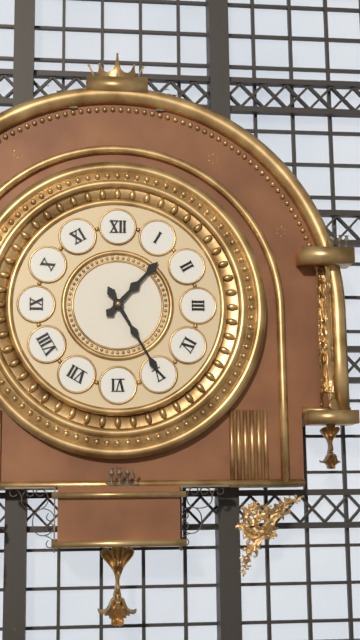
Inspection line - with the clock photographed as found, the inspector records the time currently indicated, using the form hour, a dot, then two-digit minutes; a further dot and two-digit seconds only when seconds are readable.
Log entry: 1.25
